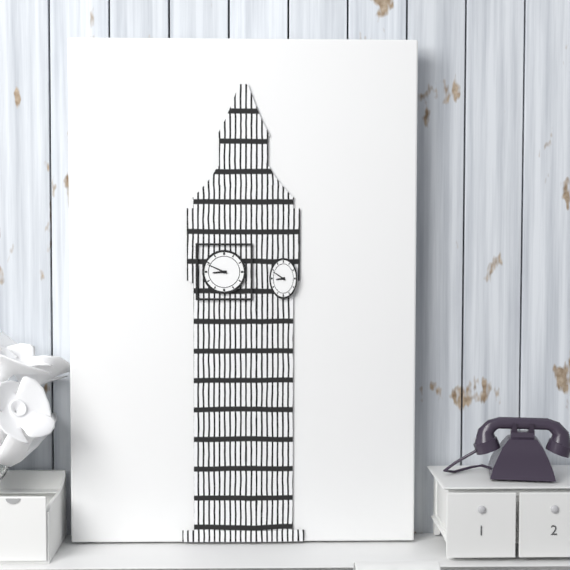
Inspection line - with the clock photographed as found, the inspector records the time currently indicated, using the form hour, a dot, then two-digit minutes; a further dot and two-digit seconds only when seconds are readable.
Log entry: 8.49
